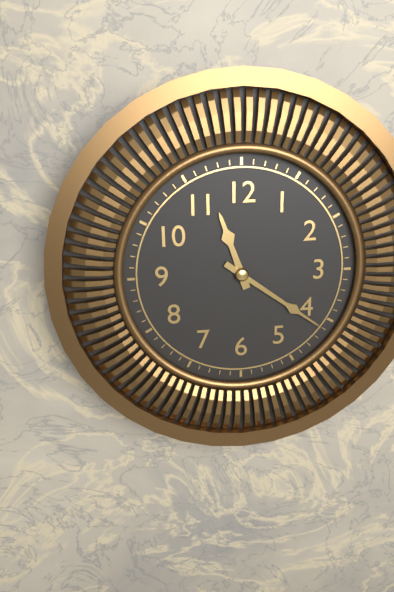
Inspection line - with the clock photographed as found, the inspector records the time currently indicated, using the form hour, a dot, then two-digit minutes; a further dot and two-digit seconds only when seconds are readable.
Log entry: 11.21
